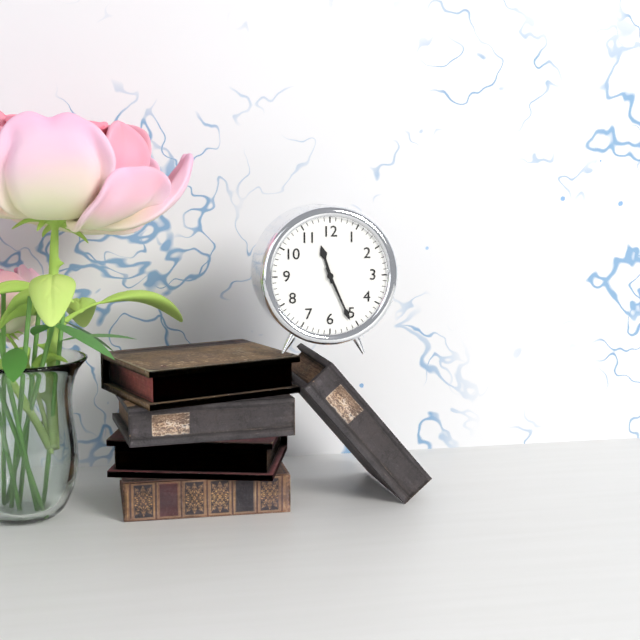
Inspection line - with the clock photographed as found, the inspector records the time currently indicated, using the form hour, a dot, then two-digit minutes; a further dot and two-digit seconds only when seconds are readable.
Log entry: 11.26
